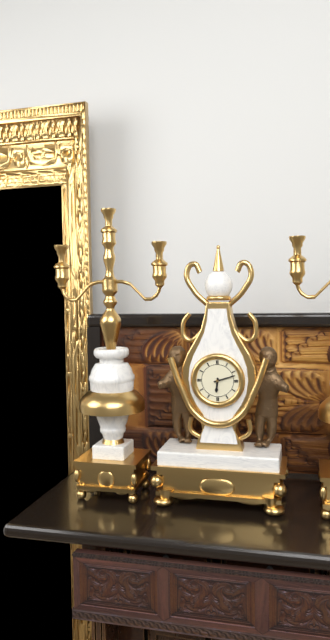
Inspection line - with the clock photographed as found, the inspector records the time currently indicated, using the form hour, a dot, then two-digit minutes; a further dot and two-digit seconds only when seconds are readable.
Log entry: 6.12
